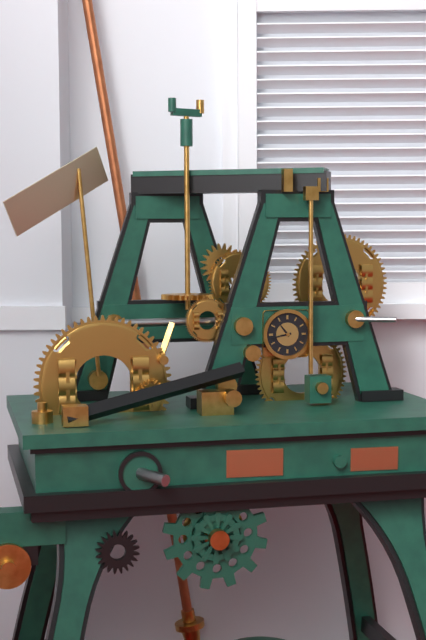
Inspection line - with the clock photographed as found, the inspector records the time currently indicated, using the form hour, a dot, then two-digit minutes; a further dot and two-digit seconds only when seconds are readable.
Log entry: 10.43
